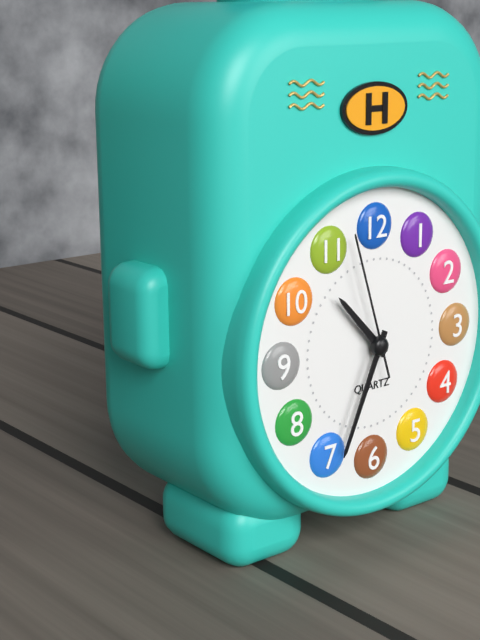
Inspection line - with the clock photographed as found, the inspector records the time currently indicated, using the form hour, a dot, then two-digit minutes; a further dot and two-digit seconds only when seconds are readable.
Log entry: 10.34.57
